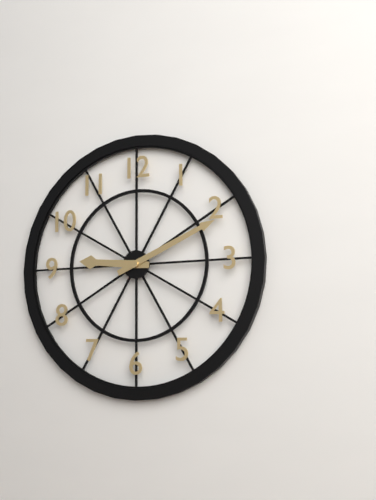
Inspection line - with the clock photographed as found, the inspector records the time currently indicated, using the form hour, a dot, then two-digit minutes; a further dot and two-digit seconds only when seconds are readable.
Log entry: 9.11
